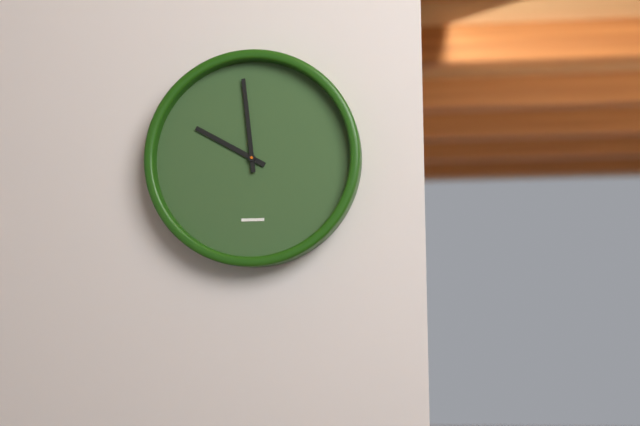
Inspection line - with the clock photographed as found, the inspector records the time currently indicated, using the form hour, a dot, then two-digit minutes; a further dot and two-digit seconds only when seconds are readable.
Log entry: 9.59
